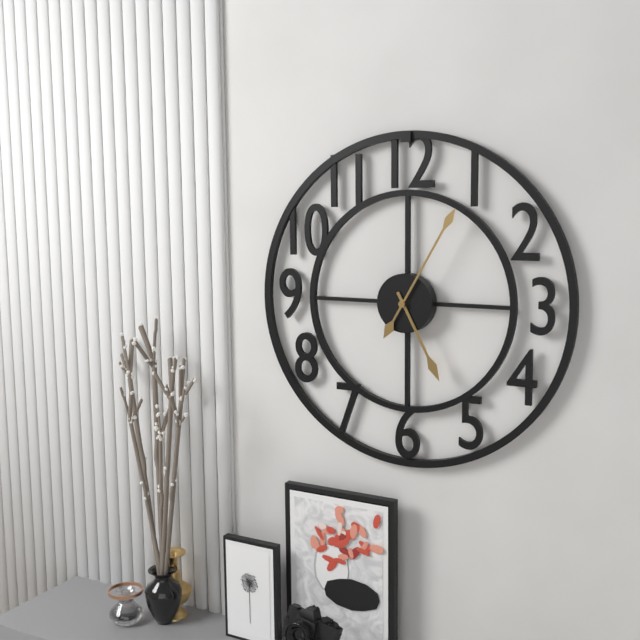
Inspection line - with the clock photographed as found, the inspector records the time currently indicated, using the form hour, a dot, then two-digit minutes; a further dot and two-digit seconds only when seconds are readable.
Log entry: 5.05
